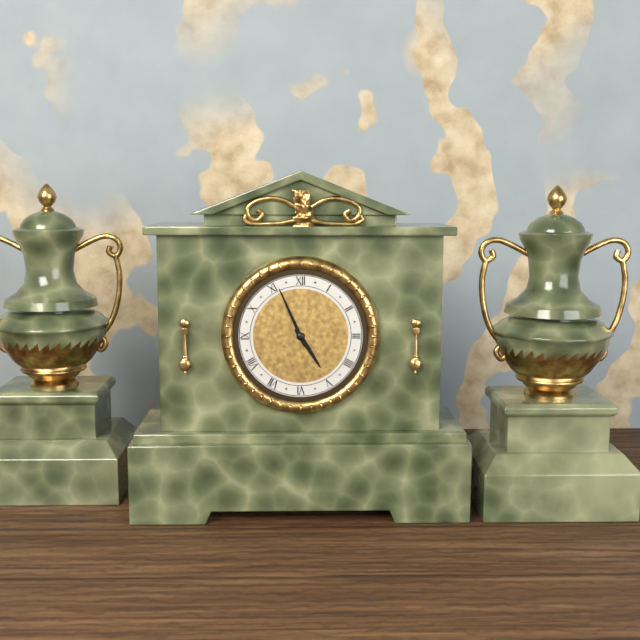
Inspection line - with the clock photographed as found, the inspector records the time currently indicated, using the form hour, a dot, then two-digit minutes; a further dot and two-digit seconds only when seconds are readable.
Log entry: 4.56
